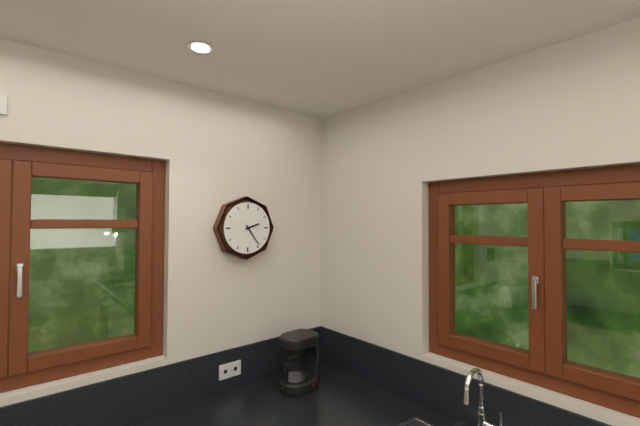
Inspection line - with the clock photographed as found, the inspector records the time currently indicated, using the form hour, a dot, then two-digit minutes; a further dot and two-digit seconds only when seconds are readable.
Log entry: 2.24
